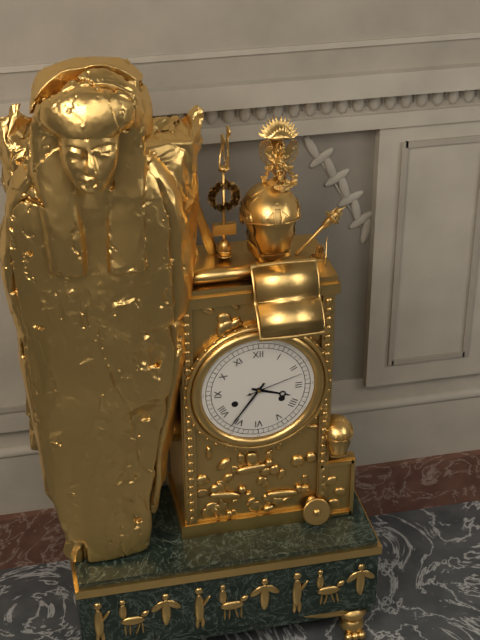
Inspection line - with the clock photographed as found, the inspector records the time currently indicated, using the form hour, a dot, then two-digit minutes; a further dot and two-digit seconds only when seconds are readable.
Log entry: 3.36.12
